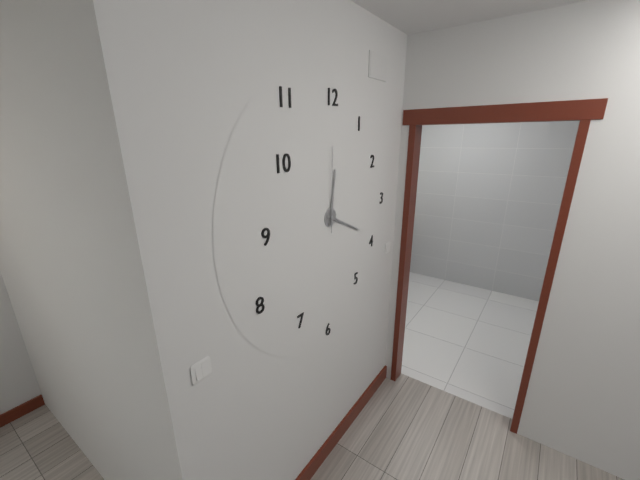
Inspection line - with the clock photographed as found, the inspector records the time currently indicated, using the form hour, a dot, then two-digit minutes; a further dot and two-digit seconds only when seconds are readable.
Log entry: 12.19.00
